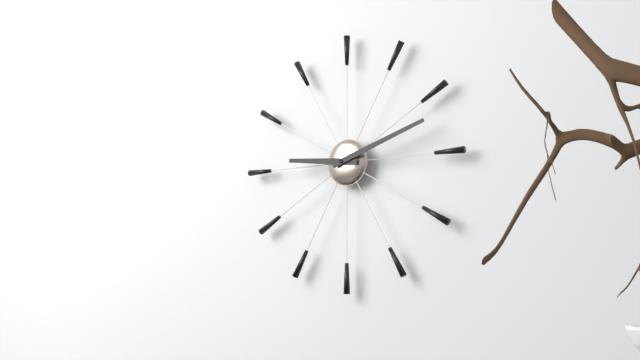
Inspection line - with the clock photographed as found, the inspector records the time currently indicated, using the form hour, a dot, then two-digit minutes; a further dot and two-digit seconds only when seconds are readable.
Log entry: 9.12
